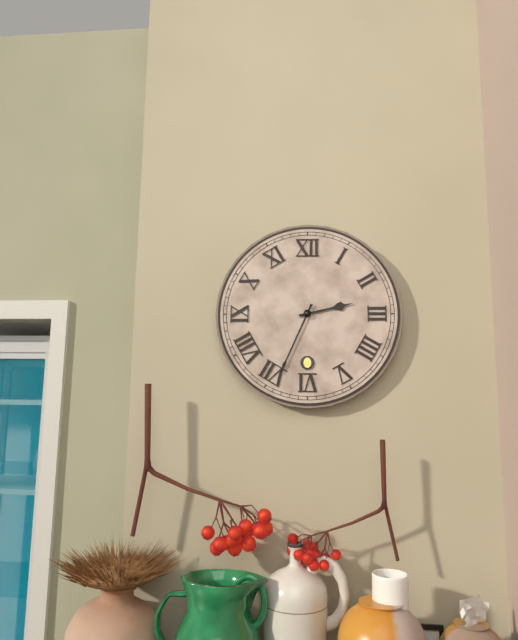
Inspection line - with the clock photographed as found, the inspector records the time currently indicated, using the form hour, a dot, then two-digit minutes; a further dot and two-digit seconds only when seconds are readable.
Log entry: 2.34
